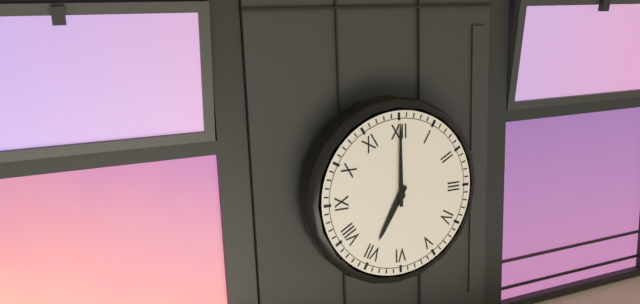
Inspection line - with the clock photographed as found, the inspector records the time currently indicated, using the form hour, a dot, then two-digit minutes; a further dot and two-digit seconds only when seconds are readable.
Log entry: 7.00
